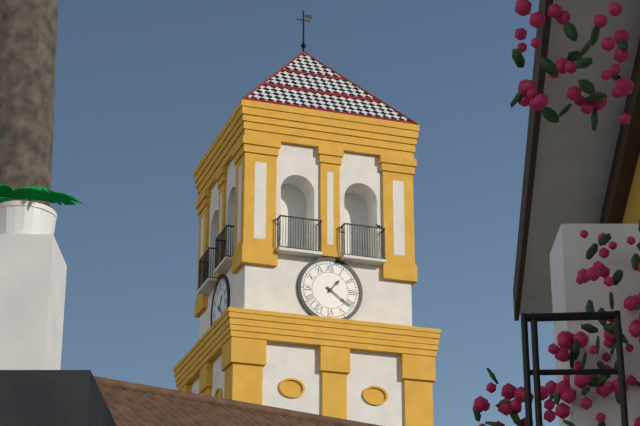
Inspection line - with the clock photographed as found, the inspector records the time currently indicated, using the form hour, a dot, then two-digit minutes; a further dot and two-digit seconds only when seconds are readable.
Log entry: 1.21
